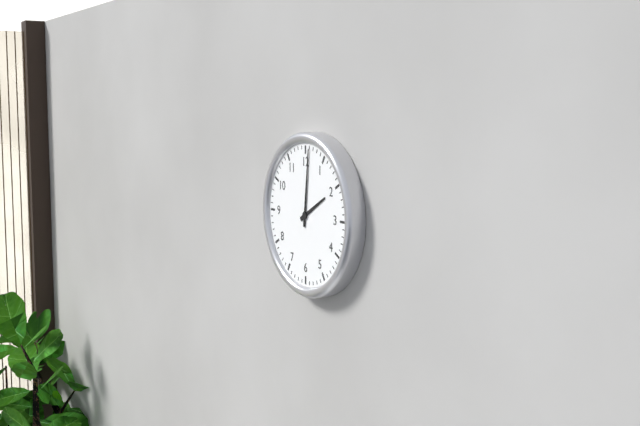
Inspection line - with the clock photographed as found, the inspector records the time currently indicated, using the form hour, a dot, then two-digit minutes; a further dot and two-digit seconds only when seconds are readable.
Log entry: 2.01
